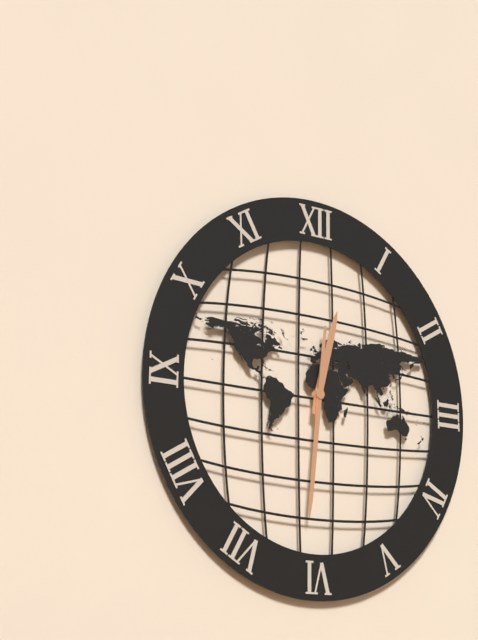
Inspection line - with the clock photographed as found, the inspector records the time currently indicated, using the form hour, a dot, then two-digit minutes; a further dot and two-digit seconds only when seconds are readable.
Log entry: 12.31
